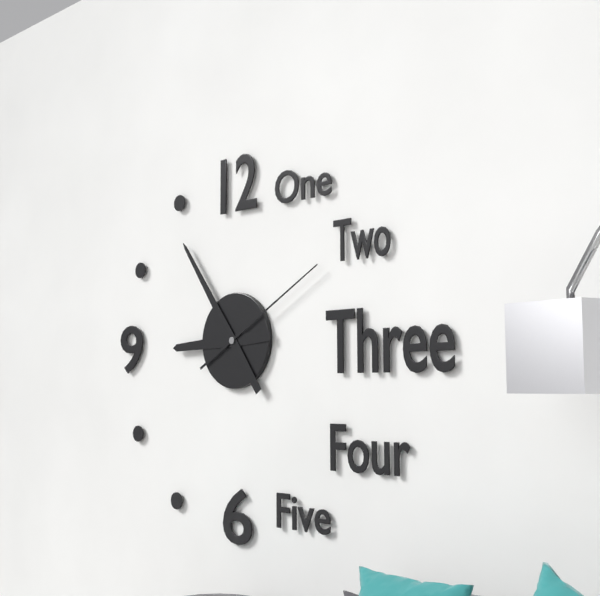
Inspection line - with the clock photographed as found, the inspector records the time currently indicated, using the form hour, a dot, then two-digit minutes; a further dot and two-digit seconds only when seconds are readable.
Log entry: 8.54.10
